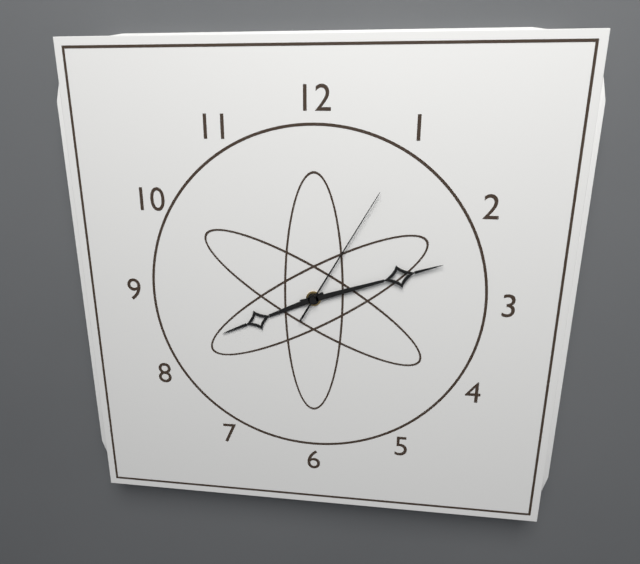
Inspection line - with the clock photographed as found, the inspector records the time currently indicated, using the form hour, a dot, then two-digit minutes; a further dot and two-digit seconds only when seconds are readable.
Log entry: 8.12.05
